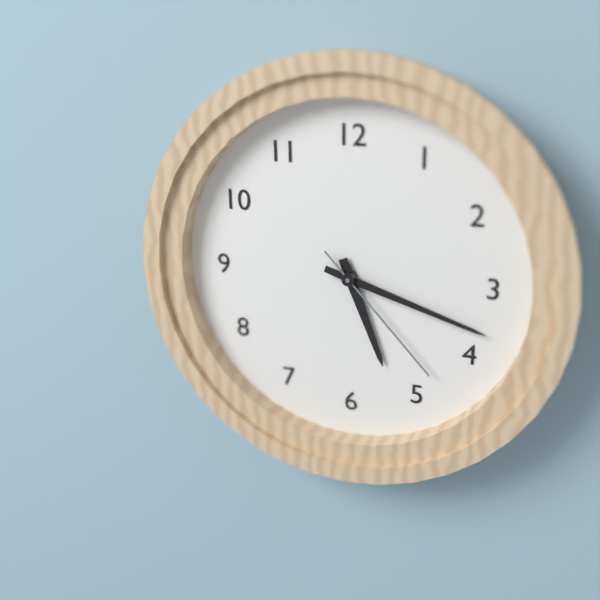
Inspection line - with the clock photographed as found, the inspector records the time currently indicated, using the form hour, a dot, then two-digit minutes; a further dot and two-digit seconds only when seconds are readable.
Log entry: 5.18.23
